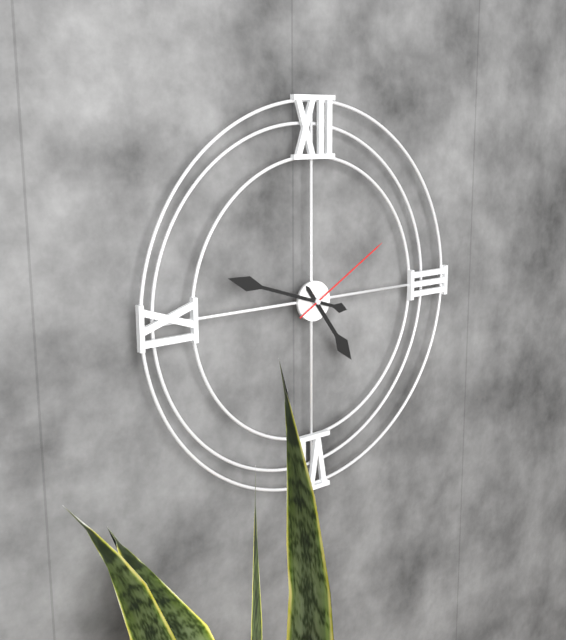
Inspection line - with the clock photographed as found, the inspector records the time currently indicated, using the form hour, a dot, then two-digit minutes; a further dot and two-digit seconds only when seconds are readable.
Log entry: 4.48.10
